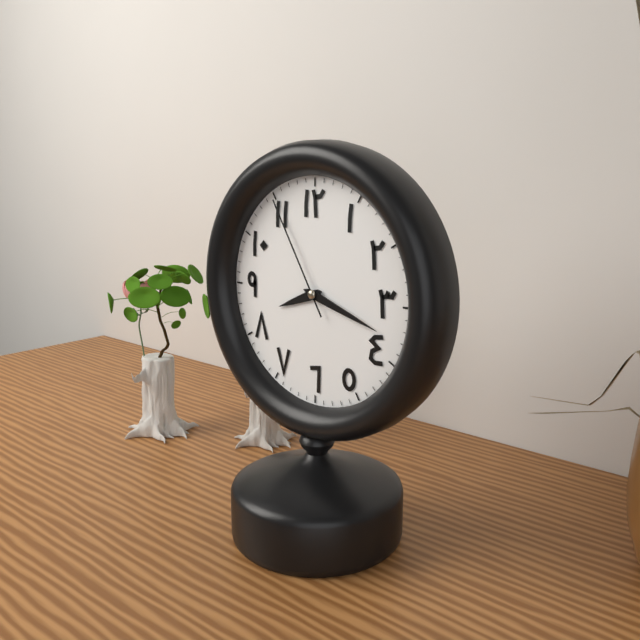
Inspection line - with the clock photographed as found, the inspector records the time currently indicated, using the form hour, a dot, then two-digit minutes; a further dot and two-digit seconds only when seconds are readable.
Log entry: 8.18.55
